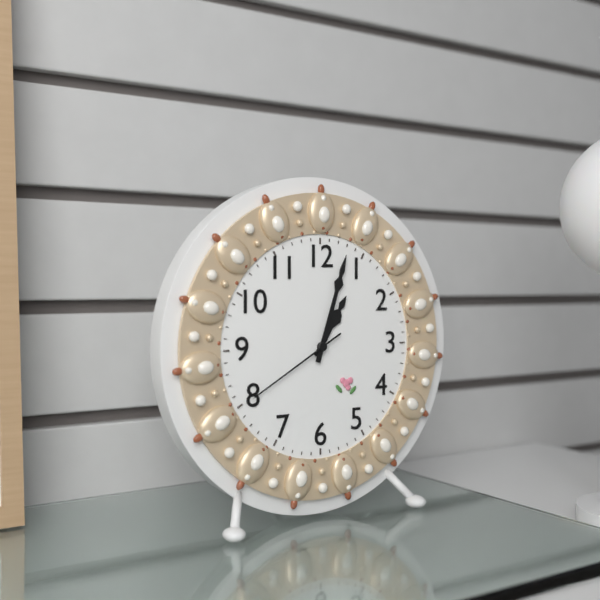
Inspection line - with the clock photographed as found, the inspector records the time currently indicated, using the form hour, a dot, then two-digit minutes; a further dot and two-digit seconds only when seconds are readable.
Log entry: 1.03.40
